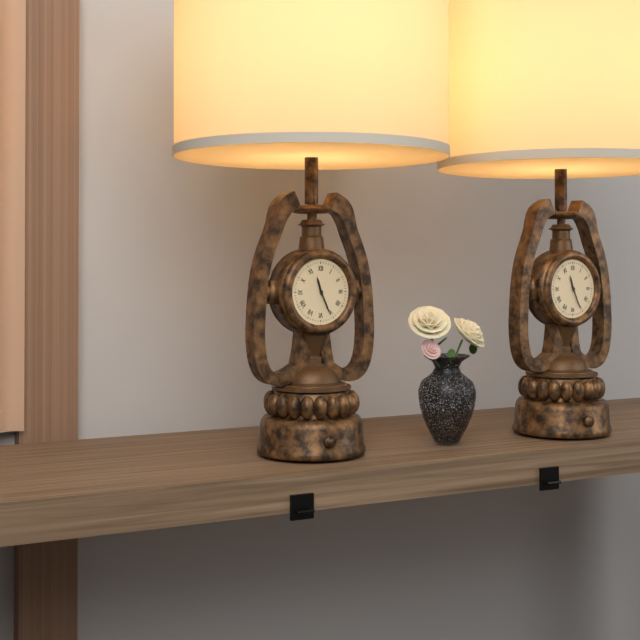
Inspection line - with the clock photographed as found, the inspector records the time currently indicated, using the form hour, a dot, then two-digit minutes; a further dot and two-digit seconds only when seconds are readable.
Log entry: 11.26
